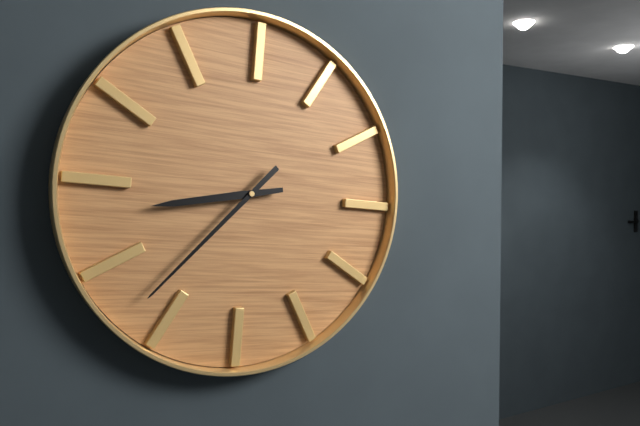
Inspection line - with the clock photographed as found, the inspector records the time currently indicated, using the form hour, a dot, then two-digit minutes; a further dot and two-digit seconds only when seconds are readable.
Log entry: 8.37
